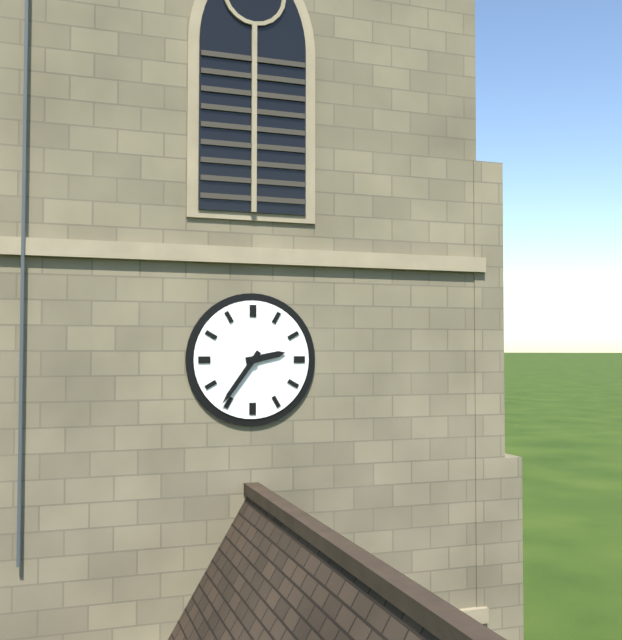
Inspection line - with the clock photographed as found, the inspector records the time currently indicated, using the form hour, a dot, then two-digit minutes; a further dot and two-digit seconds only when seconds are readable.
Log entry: 2.36
